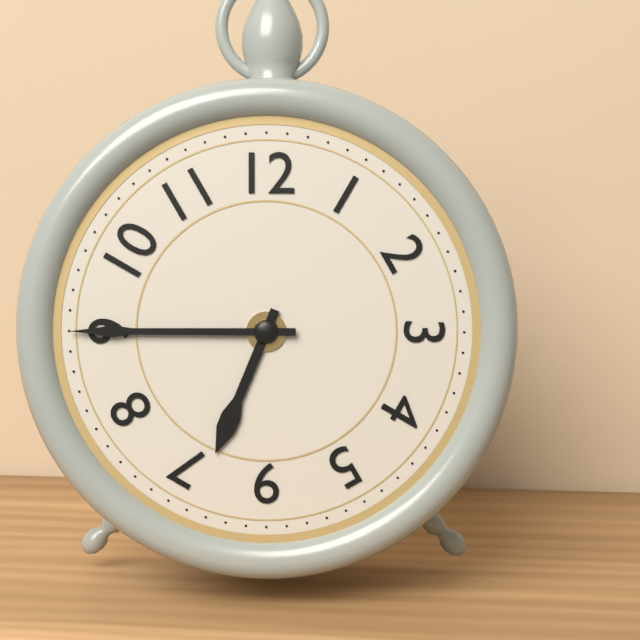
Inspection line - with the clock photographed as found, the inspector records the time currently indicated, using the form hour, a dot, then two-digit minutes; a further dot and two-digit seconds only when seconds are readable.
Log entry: 6.45
